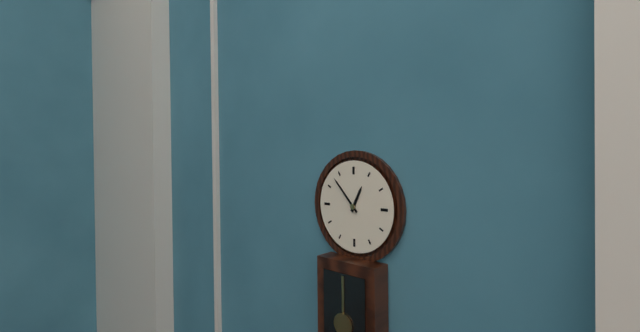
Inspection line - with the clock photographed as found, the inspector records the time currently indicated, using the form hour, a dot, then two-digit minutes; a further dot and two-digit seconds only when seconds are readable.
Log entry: 12.53
